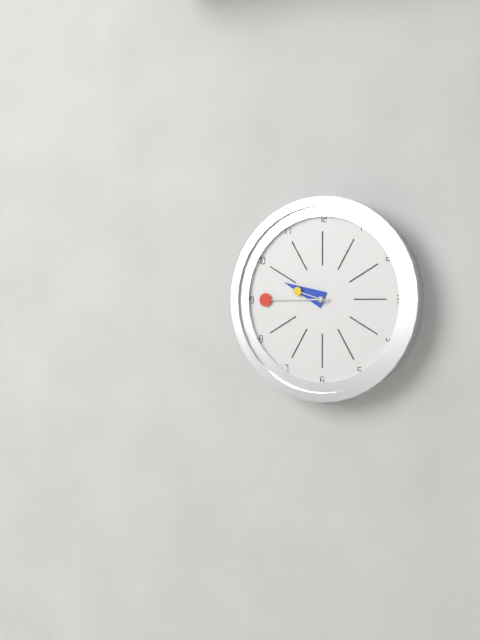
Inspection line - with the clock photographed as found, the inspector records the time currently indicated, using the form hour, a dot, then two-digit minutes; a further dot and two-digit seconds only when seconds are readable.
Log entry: 9.45.48
